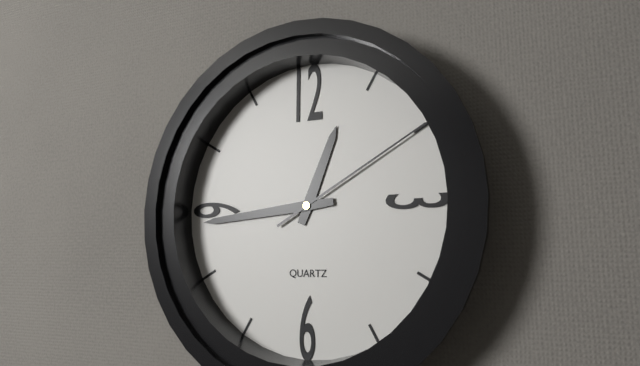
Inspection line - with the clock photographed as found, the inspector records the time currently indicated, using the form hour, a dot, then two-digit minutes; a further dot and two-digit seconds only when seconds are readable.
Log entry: 12.44.10
